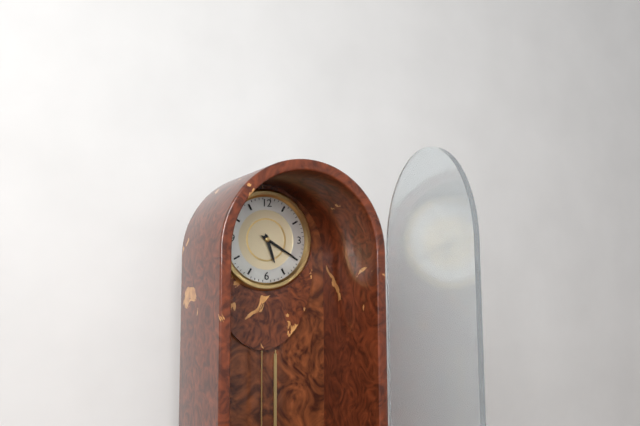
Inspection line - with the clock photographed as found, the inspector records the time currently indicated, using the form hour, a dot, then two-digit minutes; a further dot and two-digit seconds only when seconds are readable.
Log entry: 5.20
